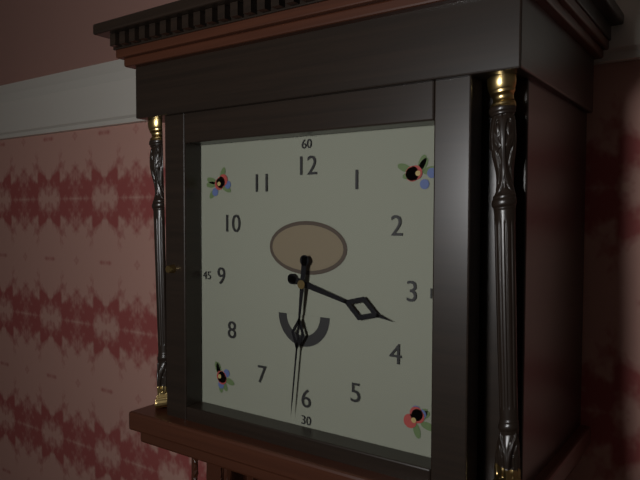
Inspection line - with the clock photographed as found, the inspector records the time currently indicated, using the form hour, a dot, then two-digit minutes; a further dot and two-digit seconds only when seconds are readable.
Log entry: 3.31
